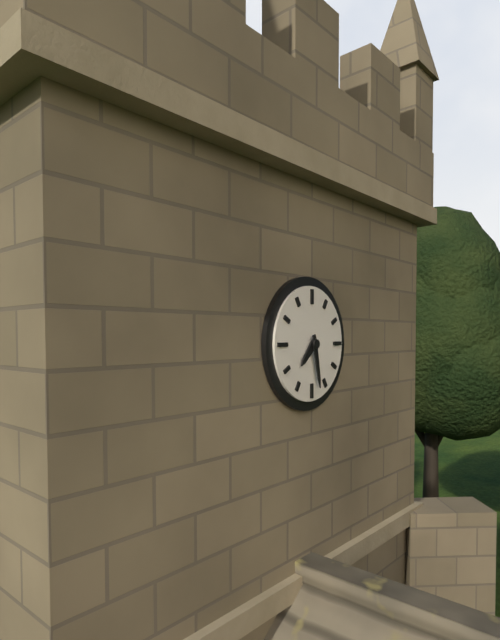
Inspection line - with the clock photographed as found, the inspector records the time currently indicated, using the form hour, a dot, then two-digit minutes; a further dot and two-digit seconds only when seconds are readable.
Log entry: 7.28
